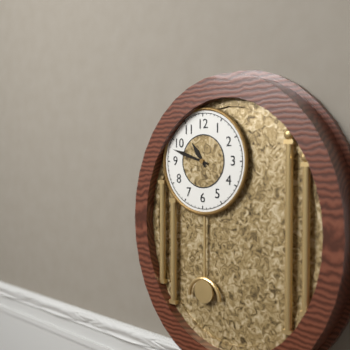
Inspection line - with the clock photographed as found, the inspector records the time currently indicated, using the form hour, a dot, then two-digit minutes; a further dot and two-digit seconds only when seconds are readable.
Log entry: 10.48
